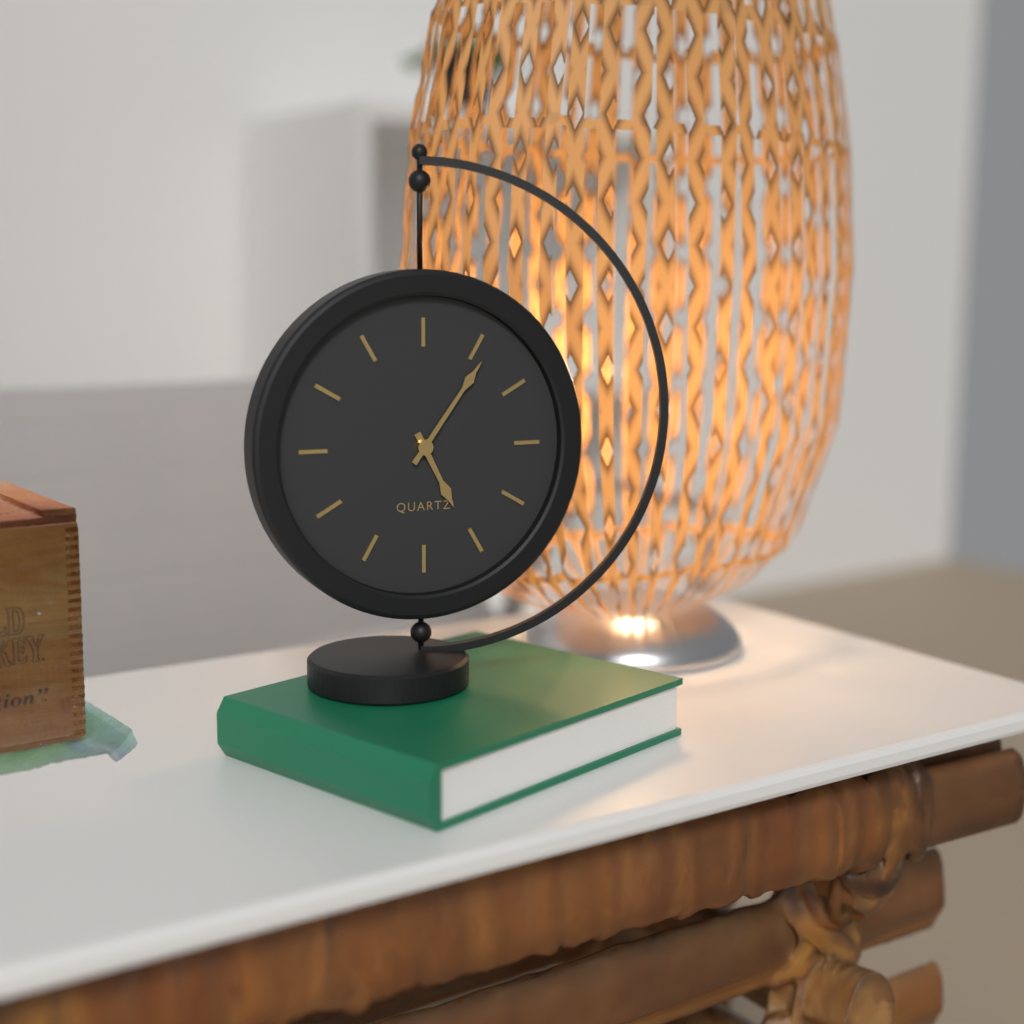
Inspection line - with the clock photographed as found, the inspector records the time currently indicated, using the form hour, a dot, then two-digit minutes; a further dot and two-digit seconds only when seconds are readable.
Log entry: 5.06
